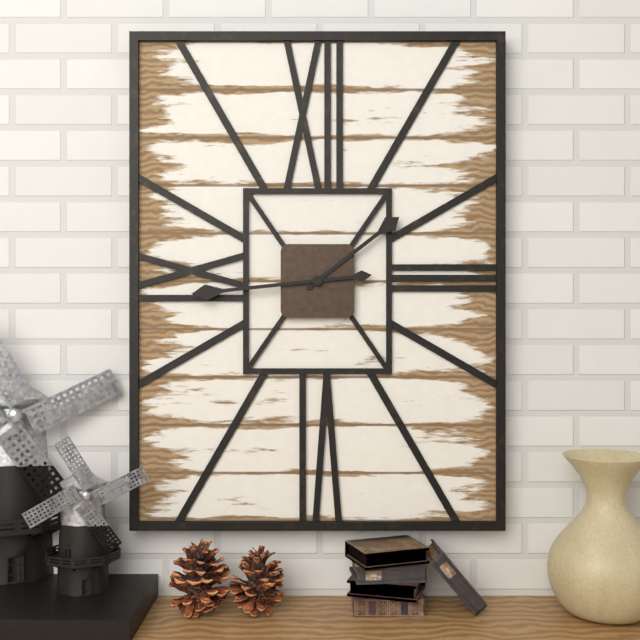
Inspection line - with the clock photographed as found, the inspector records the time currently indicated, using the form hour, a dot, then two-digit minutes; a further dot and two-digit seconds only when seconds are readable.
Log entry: 1.44
